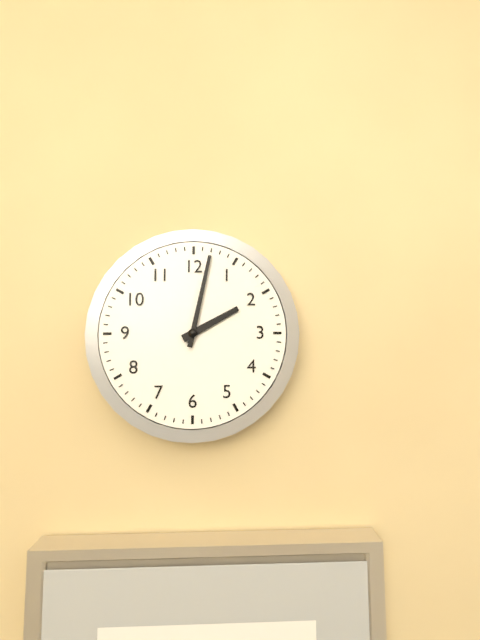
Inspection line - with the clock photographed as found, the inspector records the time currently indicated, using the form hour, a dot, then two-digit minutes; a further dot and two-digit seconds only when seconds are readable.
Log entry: 2.02
